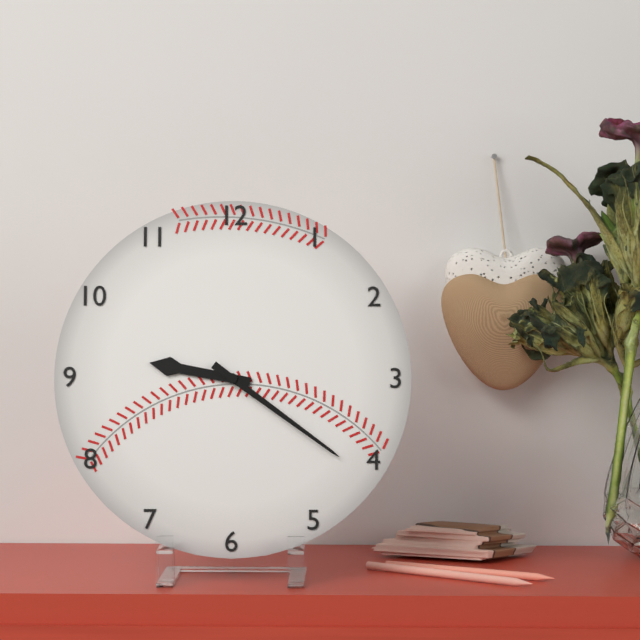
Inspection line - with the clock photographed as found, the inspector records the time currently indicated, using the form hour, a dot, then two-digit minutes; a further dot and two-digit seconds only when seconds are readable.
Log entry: 9.21
